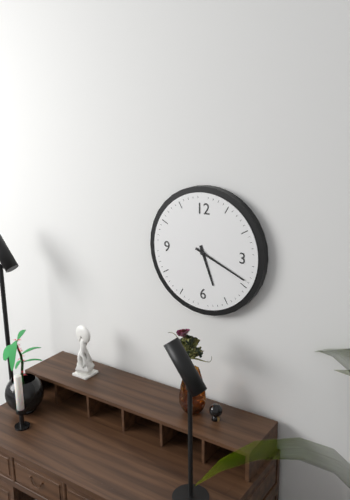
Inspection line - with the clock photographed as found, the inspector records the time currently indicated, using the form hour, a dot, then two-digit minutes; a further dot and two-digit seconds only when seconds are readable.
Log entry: 5.19
